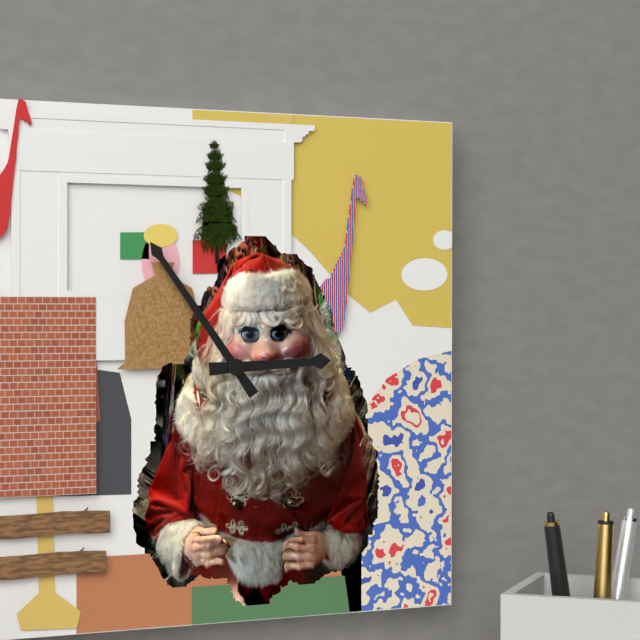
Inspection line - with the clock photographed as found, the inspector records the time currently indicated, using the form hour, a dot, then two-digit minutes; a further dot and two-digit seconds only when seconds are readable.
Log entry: 2.54
